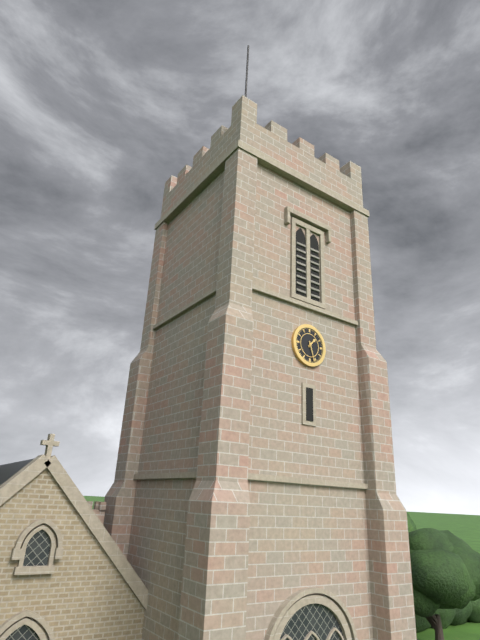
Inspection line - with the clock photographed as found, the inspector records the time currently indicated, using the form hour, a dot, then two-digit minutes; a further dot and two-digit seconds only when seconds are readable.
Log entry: 1.27
